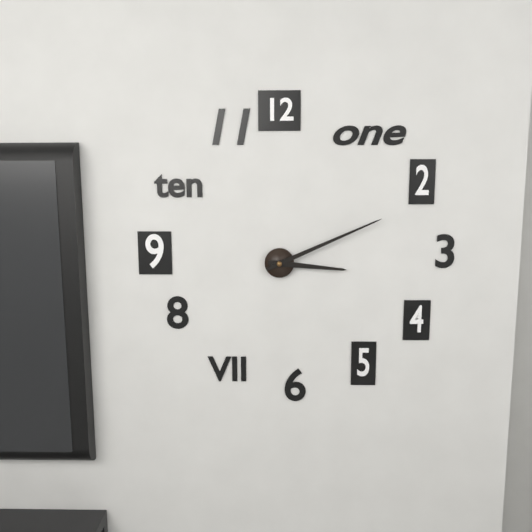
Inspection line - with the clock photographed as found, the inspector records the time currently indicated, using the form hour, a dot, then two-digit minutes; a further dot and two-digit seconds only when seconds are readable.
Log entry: 3.11
